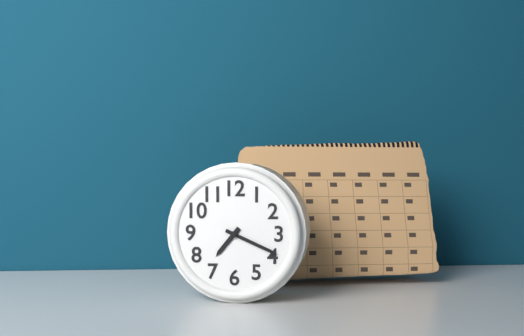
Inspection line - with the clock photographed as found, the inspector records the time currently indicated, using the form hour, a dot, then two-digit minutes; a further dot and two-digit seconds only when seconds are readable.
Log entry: 7.19
